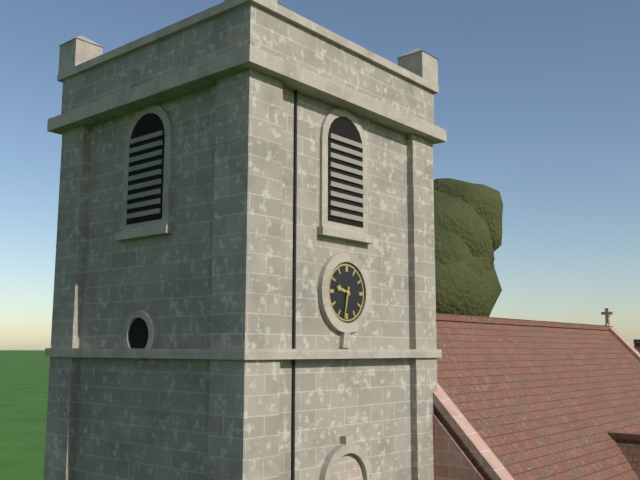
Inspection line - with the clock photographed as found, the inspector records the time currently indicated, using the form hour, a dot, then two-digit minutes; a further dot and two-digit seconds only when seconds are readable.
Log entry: 9.32
